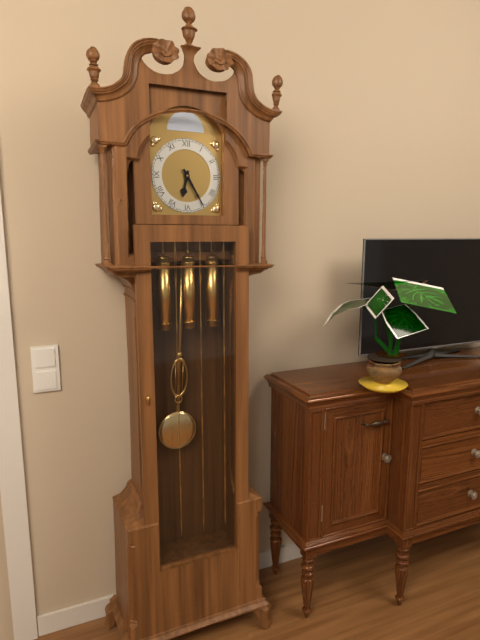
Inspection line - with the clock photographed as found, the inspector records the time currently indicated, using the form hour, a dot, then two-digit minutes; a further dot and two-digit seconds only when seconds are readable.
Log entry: 6.25
